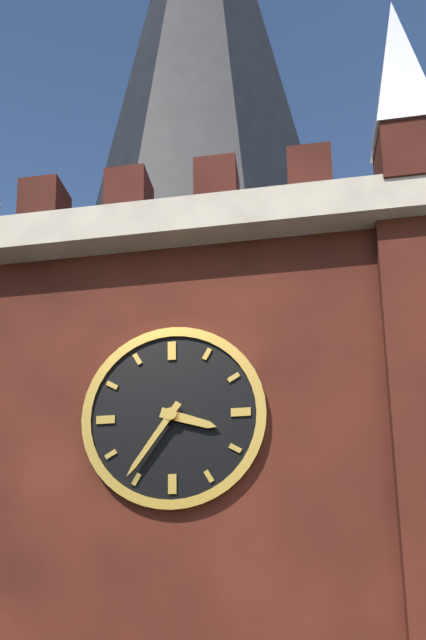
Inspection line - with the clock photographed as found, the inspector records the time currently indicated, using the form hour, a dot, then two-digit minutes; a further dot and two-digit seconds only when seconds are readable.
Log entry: 3.36
